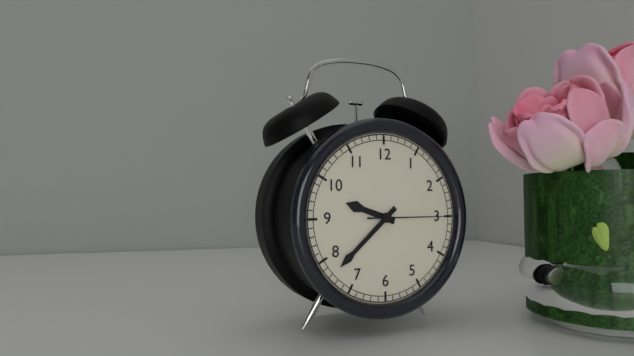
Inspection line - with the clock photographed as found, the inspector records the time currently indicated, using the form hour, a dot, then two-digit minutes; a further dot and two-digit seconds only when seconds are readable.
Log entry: 9.38.15
